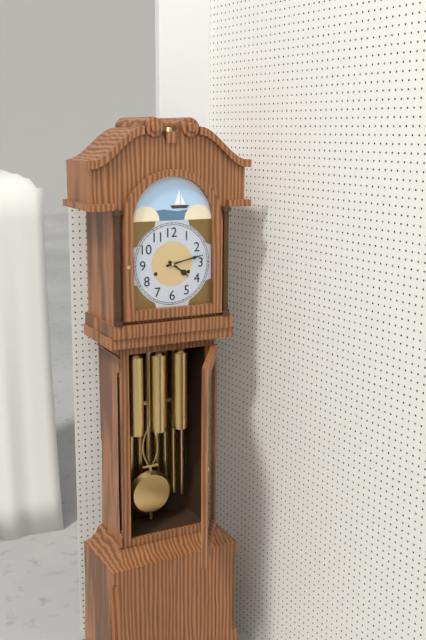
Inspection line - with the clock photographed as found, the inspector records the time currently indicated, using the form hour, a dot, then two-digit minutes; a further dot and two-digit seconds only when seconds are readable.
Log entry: 4.13
